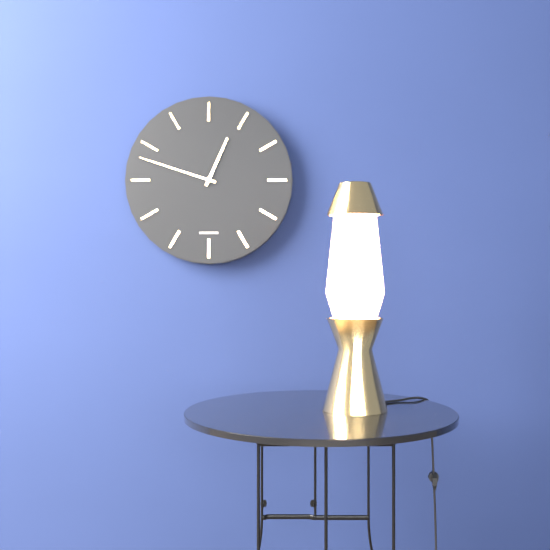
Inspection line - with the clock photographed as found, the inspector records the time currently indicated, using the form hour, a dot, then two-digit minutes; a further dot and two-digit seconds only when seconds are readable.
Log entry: 12.48
